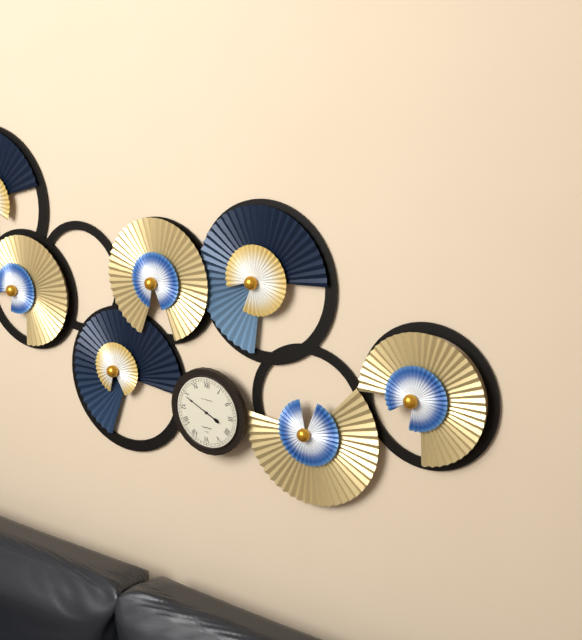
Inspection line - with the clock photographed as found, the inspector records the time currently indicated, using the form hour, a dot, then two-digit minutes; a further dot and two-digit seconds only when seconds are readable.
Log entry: 3.49
